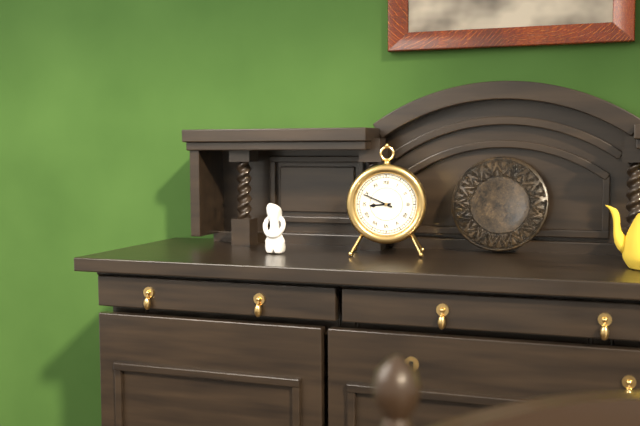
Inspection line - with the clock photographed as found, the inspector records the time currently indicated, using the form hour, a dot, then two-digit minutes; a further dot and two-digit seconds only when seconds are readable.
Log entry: 8.49
